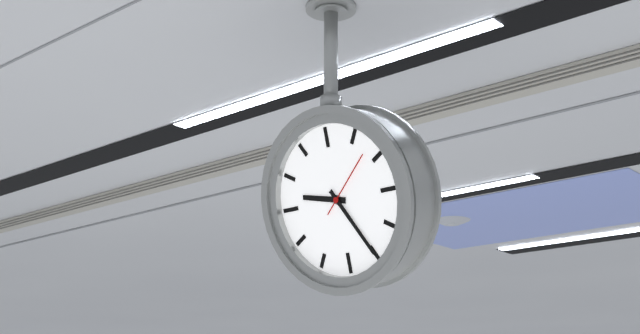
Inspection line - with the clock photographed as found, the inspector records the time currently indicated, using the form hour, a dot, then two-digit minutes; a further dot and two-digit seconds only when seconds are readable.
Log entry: 9.25.08
